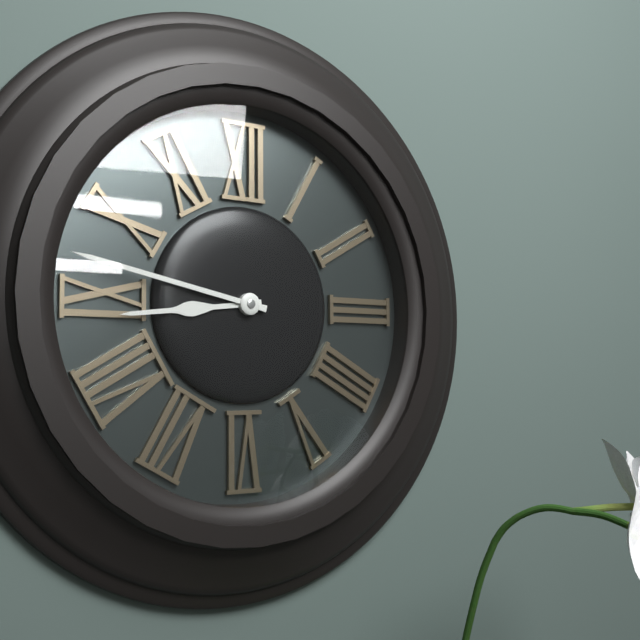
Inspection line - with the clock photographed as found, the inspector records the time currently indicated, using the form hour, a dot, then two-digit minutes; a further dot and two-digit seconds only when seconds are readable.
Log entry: 8.47
